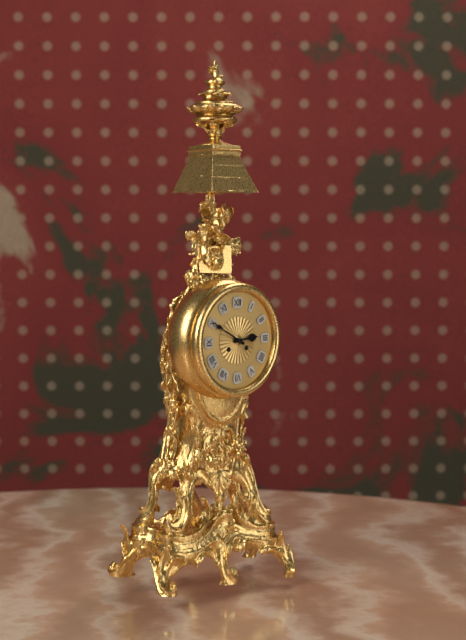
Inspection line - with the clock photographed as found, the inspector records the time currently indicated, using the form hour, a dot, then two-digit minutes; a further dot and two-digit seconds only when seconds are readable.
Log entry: 2.50
